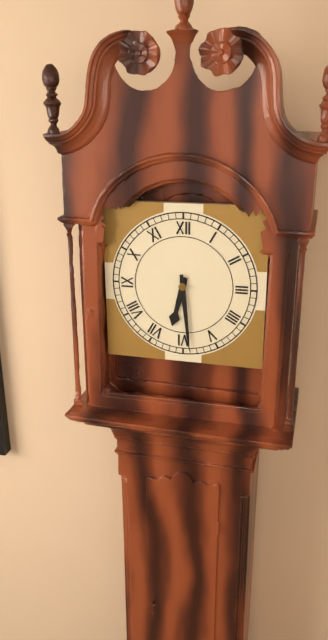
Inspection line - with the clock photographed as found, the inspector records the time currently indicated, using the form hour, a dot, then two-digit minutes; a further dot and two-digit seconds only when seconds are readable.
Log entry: 6.29
